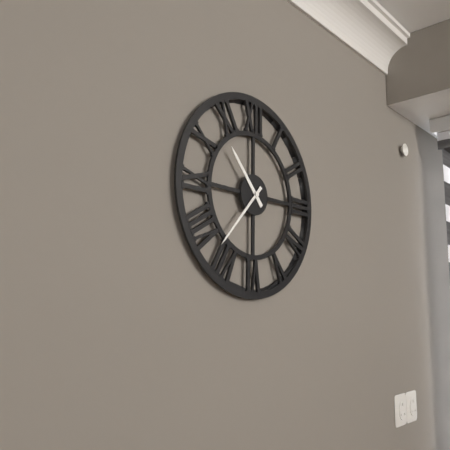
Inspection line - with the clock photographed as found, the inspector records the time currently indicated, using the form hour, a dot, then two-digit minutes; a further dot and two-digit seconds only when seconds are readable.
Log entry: 10.37
